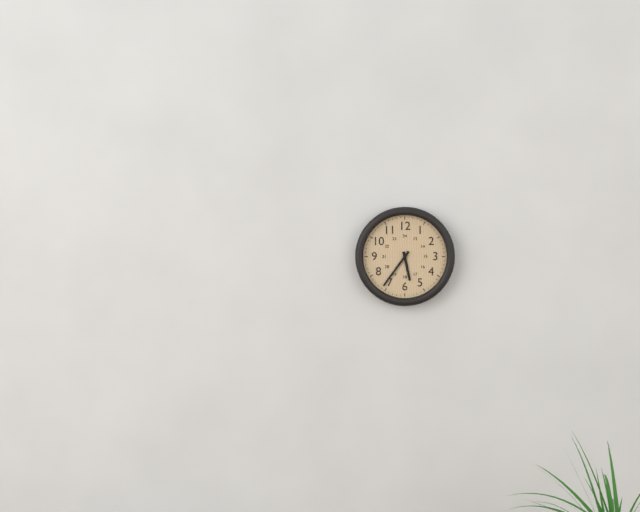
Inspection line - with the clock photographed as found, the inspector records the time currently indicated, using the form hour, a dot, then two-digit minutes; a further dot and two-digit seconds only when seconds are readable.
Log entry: 5.36
